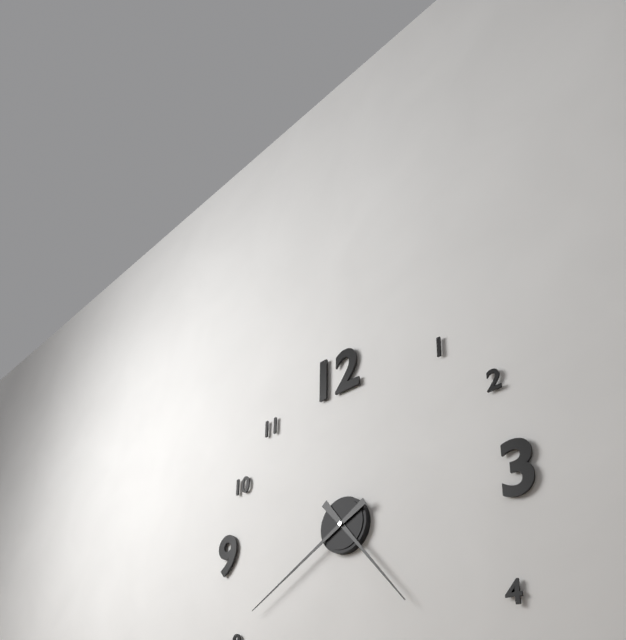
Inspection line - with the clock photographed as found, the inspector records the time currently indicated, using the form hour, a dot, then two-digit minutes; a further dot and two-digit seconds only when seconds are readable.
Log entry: 4.40
